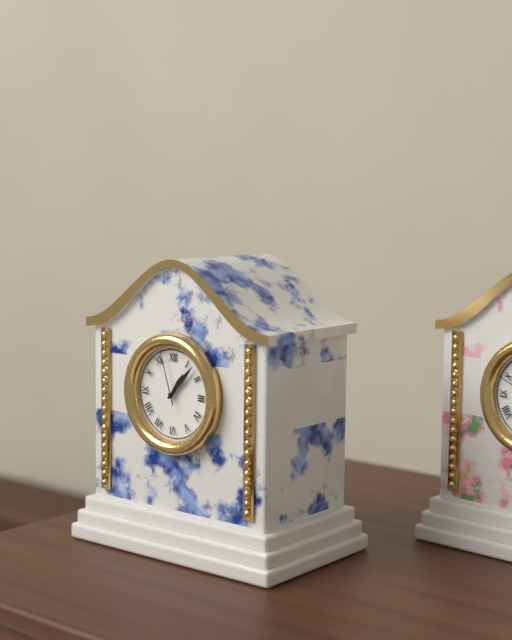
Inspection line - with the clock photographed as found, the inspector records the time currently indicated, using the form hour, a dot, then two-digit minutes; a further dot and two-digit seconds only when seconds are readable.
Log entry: 1.07.57
